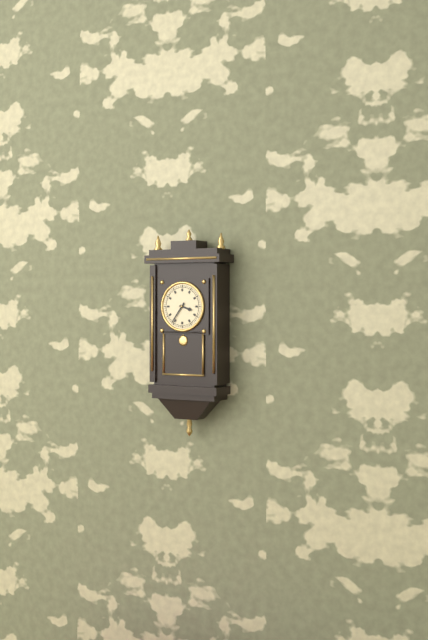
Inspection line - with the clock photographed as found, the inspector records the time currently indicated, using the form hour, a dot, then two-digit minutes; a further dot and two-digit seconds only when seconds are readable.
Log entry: 3.36
